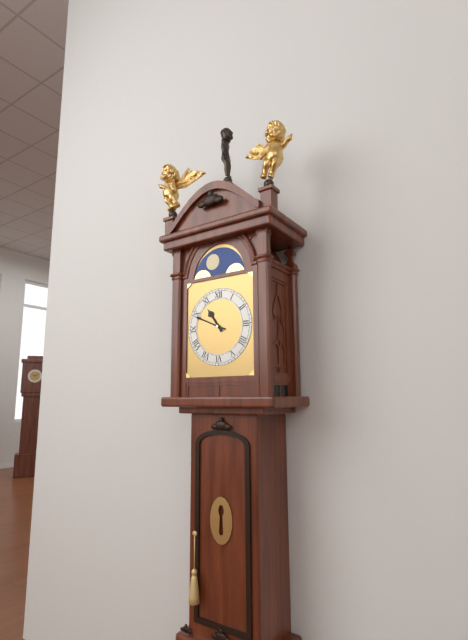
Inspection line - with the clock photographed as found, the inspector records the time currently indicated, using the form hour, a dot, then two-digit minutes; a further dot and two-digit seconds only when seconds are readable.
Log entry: 10.49
